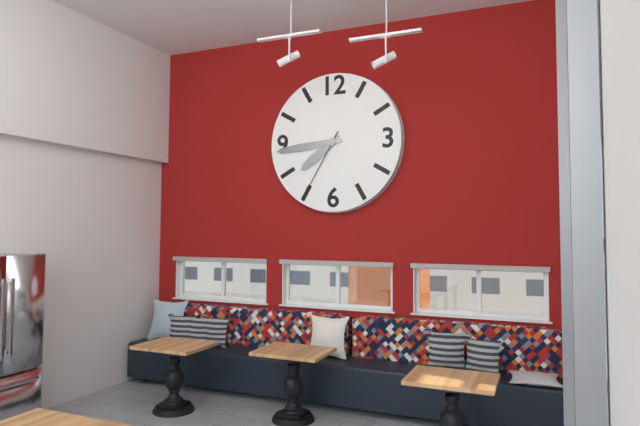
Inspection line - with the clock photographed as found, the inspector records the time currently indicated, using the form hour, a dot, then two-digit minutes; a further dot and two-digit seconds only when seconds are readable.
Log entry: 7.44.35
